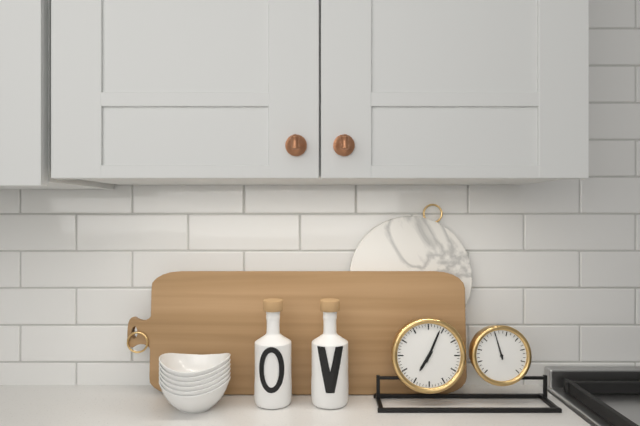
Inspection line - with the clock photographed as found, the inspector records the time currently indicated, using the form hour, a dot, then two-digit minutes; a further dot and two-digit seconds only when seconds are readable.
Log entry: 7.04
